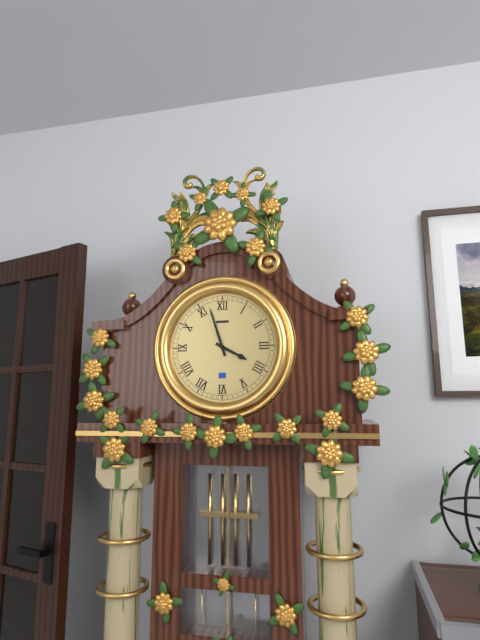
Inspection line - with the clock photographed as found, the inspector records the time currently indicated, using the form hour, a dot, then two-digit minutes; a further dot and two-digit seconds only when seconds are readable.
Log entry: 3.57
